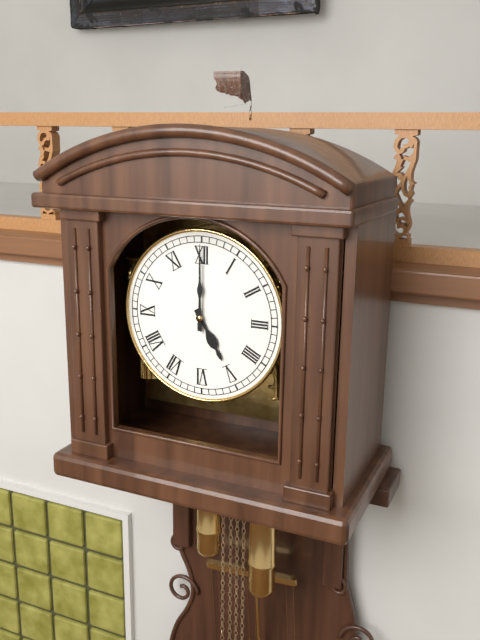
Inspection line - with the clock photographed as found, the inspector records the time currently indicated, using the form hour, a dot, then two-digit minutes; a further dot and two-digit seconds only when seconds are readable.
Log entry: 5.00
